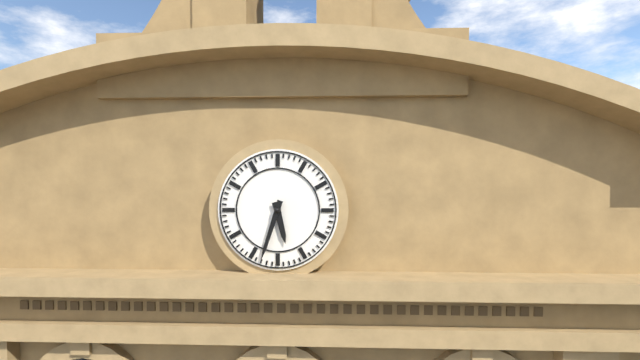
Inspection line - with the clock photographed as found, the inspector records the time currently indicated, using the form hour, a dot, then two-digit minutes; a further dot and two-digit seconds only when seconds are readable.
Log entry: 5.33
